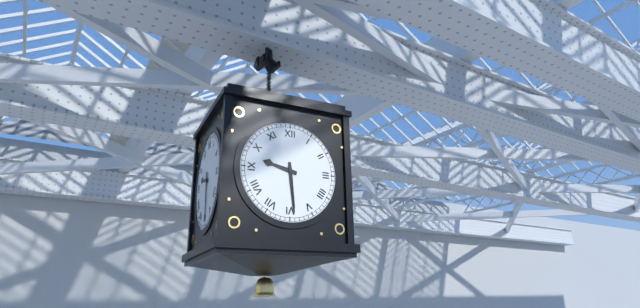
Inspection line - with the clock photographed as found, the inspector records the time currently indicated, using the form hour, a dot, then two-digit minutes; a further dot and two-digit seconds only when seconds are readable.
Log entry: 9.29
